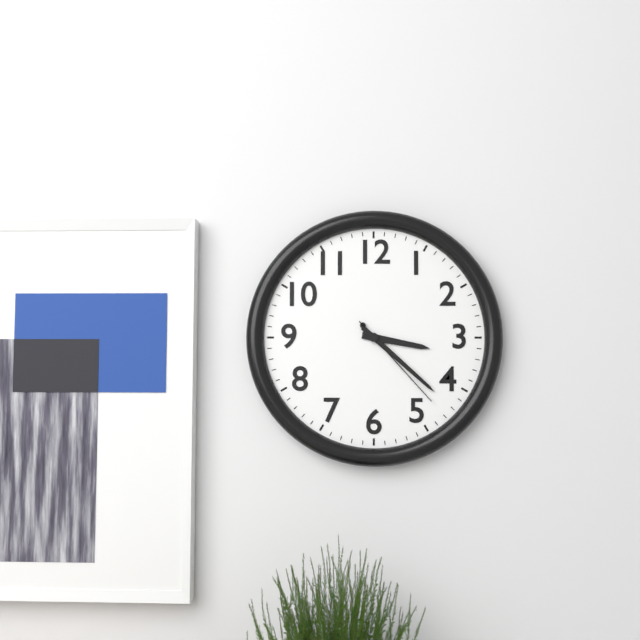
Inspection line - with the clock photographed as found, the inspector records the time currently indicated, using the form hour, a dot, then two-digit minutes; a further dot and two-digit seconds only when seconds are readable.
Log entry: 3.22.23
